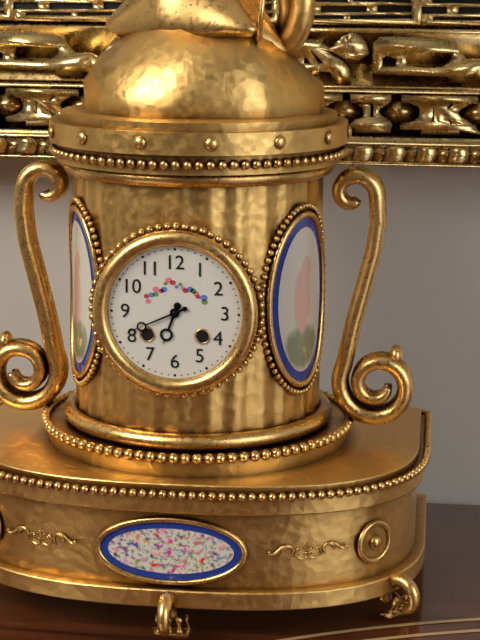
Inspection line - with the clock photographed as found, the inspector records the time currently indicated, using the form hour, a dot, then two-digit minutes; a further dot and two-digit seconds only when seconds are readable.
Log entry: 6.41
